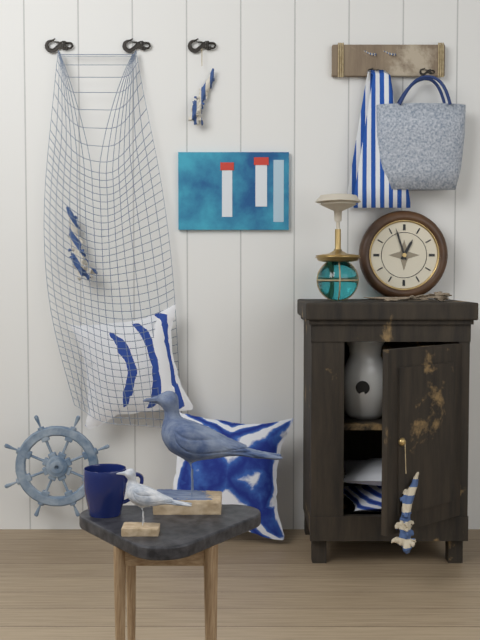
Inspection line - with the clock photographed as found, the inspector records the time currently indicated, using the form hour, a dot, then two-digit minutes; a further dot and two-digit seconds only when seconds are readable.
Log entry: 12.57
